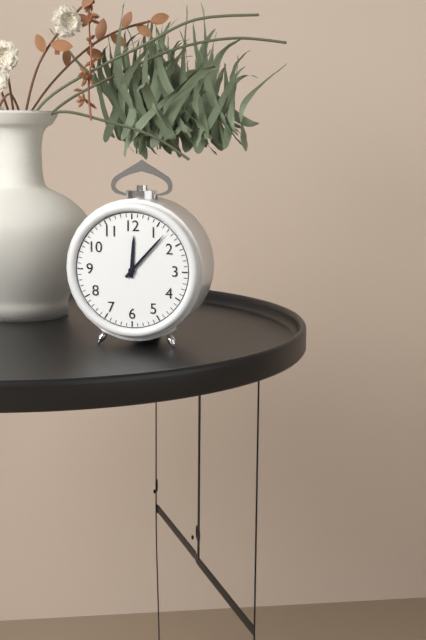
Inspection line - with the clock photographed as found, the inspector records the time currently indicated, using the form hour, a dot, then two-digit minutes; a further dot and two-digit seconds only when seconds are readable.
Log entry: 12.07
